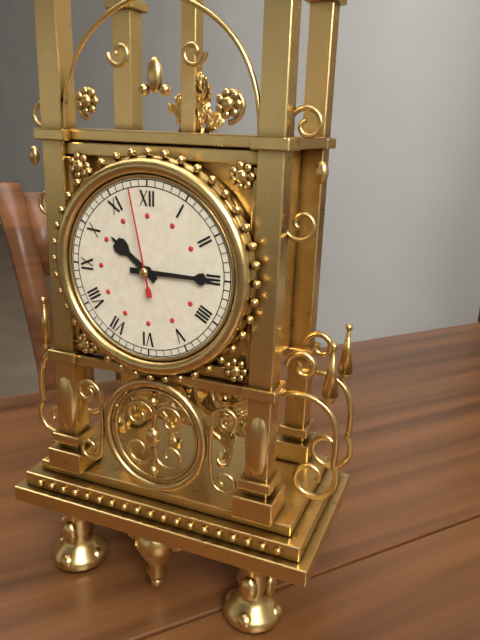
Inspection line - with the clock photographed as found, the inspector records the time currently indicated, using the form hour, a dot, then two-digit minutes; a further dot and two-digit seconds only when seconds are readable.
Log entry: 10.15.58
